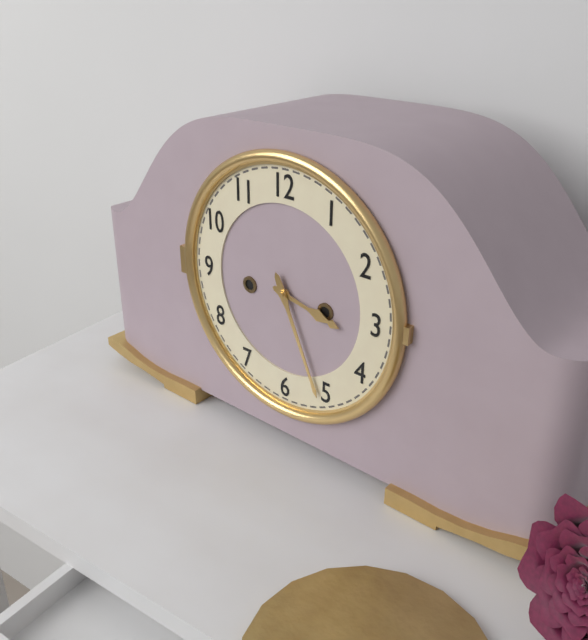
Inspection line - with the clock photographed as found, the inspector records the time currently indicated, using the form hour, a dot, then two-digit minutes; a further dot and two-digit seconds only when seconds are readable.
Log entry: 3.26
